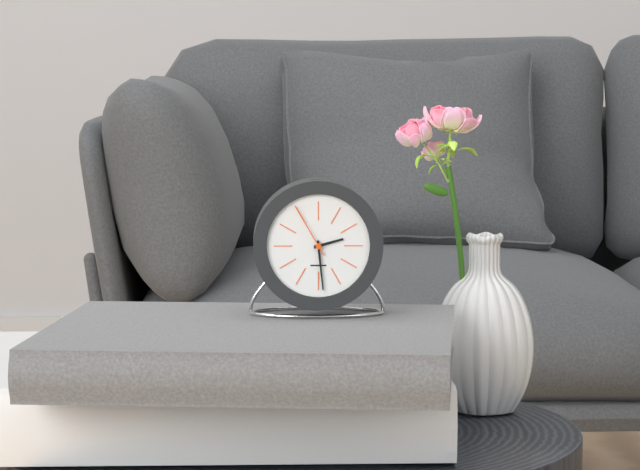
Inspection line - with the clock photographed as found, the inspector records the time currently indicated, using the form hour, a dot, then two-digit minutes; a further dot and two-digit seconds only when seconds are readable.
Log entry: 2.29.55
